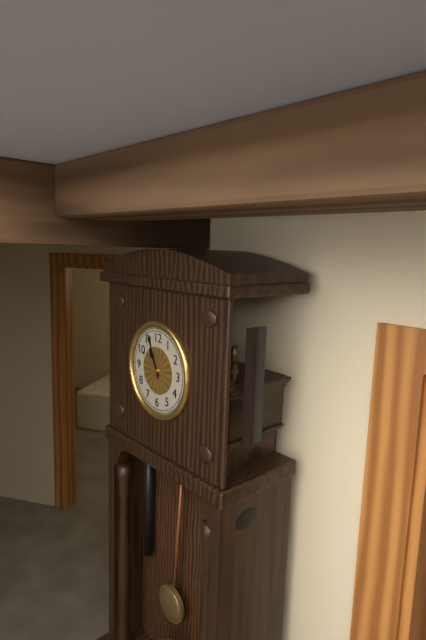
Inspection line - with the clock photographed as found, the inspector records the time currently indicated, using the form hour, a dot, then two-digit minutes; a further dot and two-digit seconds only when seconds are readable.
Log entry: 10.56
